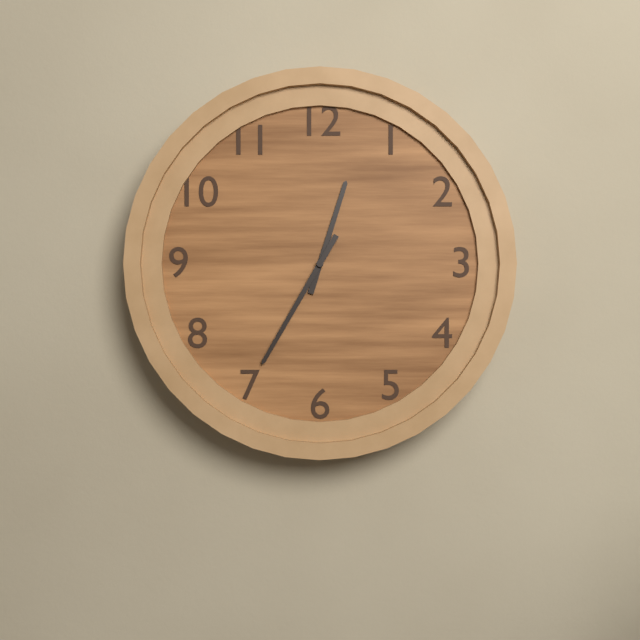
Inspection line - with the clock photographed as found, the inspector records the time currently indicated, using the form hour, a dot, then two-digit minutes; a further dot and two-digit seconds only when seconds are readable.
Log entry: 12.35
